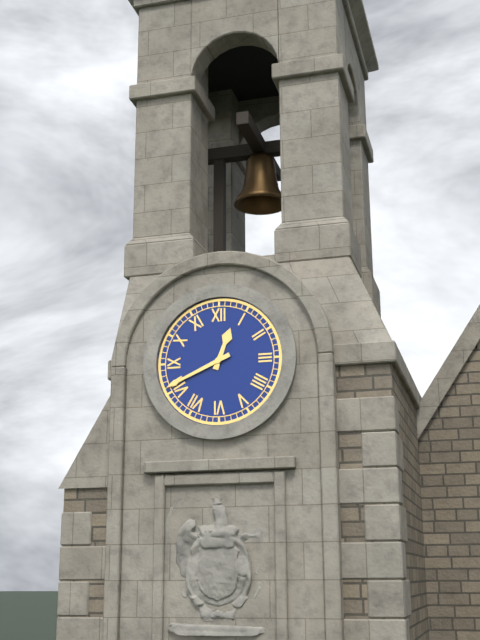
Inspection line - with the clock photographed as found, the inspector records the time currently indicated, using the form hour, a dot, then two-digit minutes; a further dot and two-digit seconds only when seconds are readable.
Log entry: 12.41
